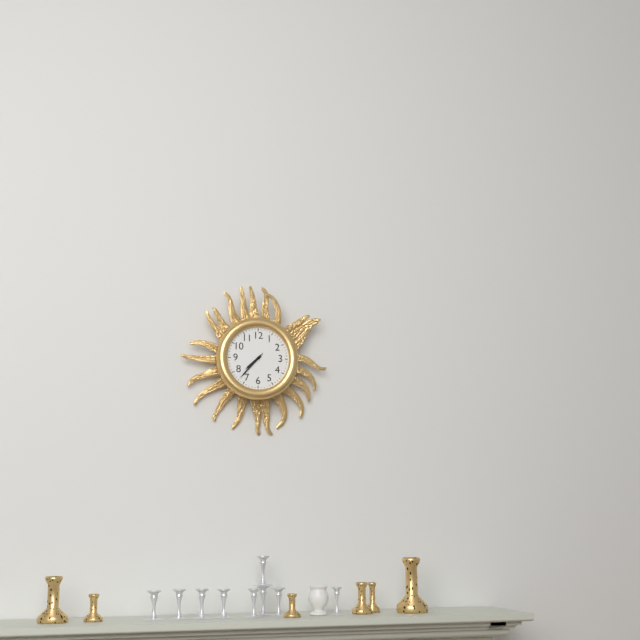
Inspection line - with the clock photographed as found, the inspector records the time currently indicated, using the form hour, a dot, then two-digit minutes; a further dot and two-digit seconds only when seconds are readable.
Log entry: 7.37
